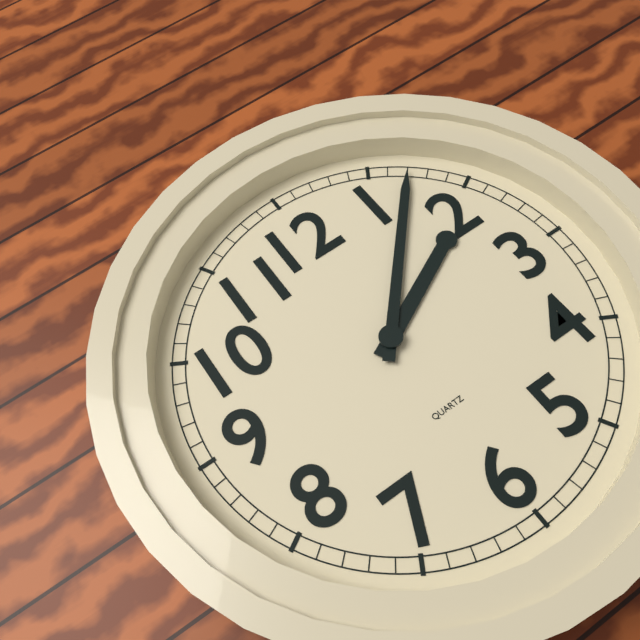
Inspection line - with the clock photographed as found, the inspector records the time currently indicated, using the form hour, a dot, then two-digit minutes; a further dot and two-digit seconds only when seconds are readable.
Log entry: 2.07
